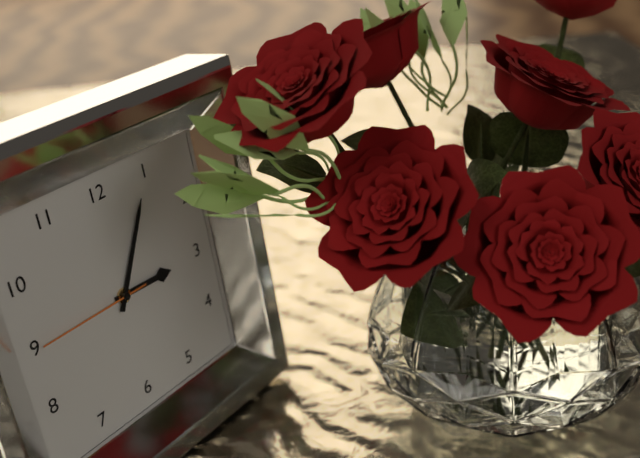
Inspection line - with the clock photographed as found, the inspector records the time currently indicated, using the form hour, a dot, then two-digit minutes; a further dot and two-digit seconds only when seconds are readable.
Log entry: 3.05.45
